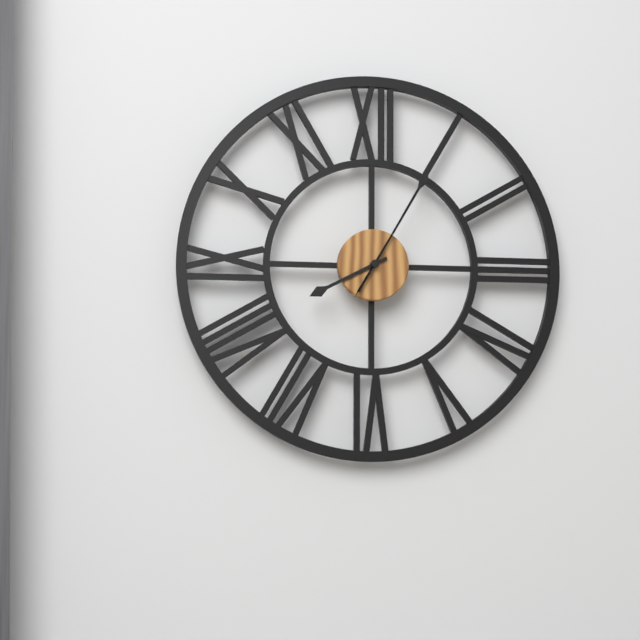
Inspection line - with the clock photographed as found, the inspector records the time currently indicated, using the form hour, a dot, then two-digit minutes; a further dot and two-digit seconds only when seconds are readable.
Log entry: 8.05
